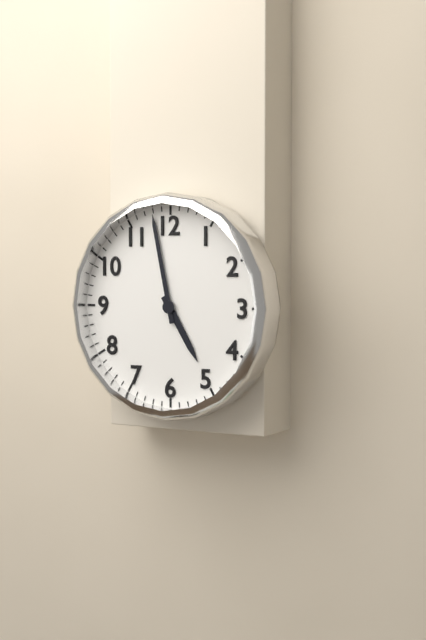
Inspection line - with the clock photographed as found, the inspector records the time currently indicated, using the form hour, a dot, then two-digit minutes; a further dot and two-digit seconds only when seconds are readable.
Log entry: 4.58
